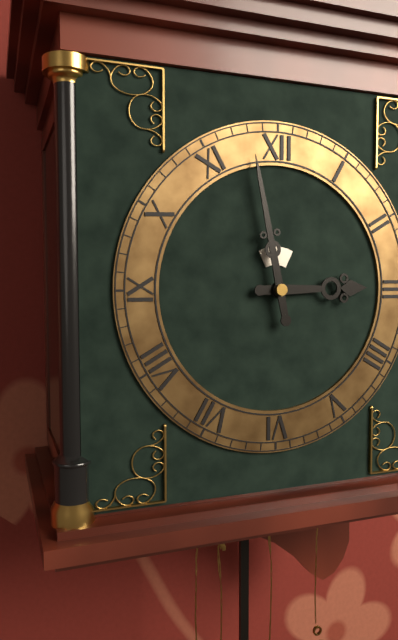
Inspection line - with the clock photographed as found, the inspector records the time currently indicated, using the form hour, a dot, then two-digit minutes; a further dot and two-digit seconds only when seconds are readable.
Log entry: 2.58
